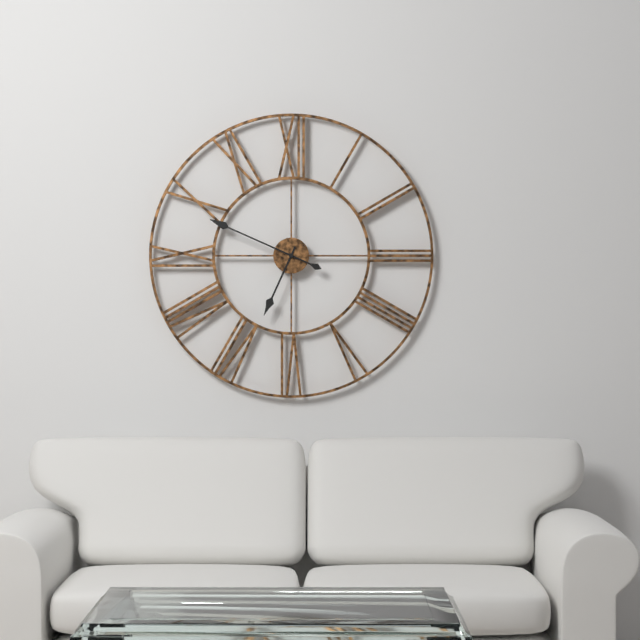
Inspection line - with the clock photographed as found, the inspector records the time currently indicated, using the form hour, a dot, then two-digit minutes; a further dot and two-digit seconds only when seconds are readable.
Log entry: 6.49
